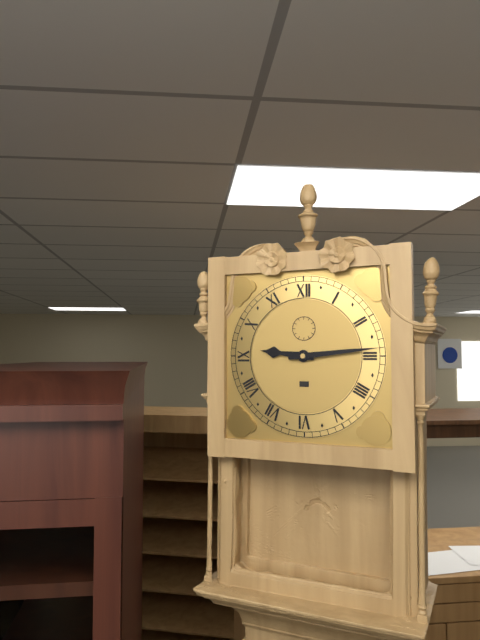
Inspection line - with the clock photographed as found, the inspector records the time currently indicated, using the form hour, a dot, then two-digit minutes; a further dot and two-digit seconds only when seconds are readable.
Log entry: 9.14
